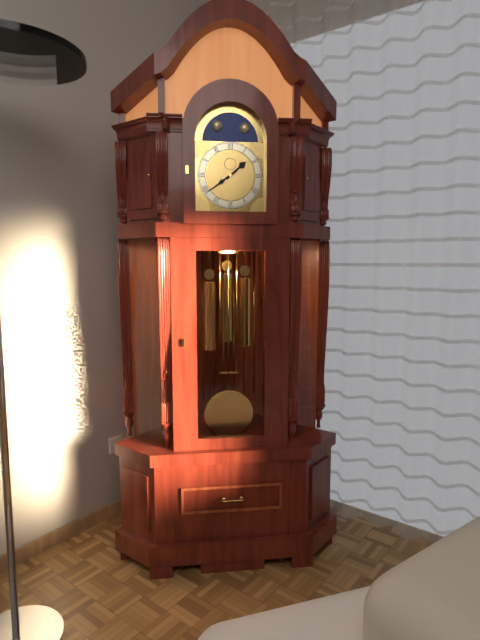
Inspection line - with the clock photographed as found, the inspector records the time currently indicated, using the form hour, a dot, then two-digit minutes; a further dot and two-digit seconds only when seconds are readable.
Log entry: 1.39
